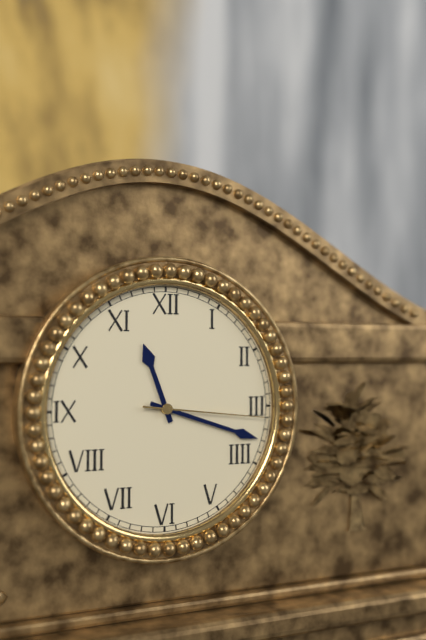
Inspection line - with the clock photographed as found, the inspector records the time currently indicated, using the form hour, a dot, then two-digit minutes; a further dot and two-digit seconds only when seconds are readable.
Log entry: 11.18.16
